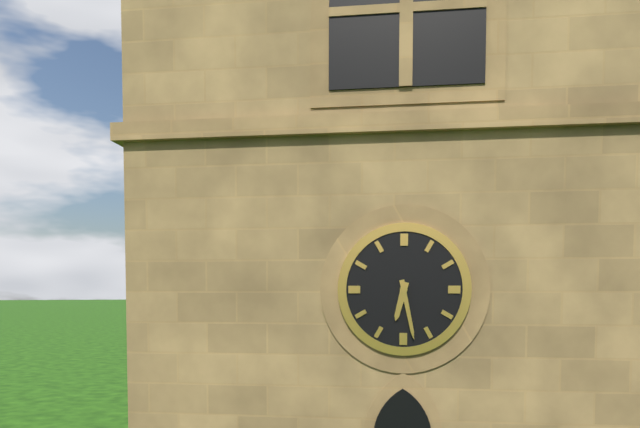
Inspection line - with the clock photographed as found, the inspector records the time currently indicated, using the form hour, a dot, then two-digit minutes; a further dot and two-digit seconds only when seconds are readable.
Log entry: 6.28
